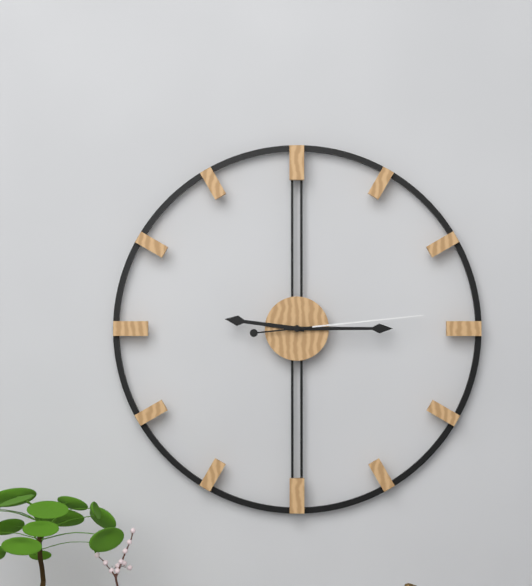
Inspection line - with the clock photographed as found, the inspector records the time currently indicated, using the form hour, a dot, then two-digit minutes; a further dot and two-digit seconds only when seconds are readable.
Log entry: 9.15.14
